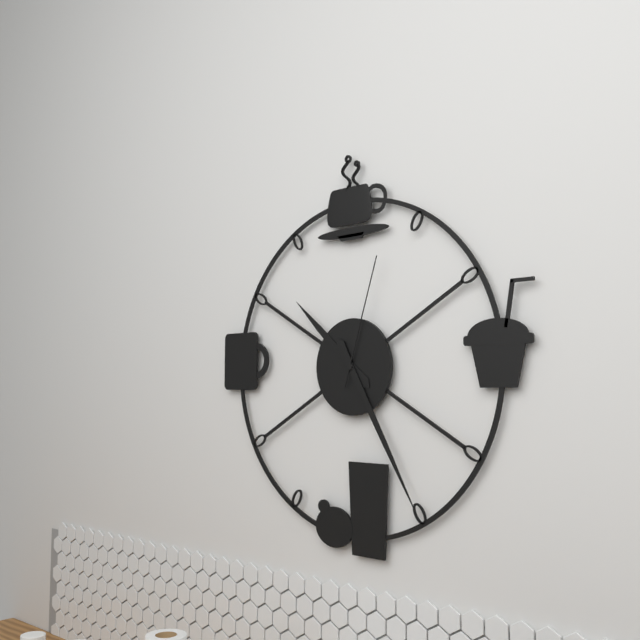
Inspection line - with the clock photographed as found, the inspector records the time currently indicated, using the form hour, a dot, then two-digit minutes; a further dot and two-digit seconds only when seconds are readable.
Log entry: 10.25.03
